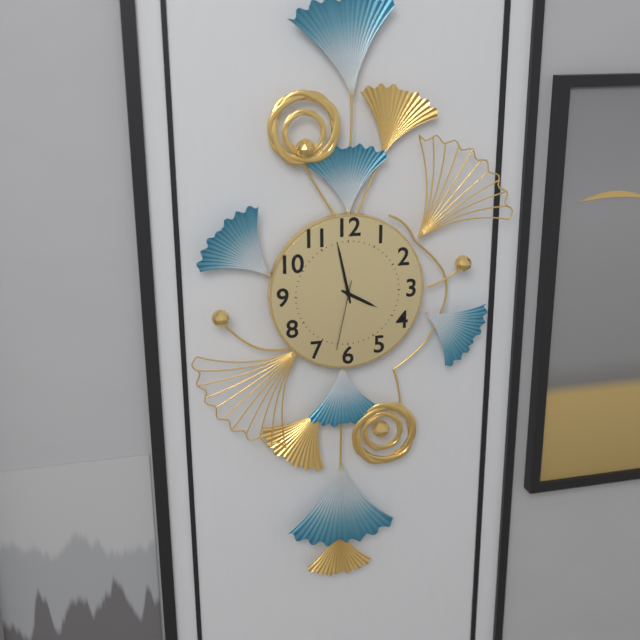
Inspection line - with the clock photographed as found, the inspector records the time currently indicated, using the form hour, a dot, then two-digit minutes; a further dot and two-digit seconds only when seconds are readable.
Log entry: 3.58.32
